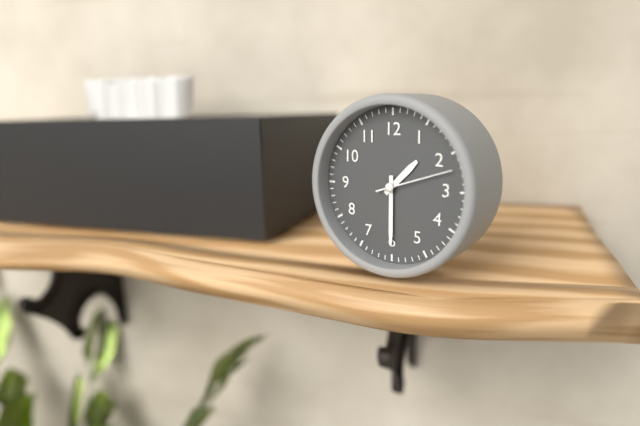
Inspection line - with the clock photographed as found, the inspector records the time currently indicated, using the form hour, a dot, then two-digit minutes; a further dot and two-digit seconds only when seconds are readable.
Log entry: 1.30.12
